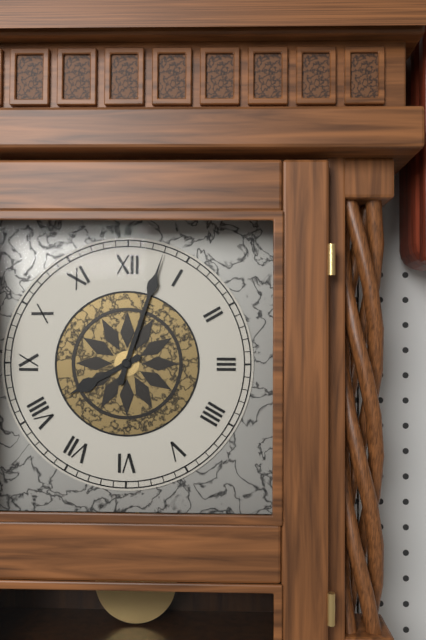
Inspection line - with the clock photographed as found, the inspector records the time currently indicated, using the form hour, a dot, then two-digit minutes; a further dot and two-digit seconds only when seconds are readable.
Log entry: 8.03
